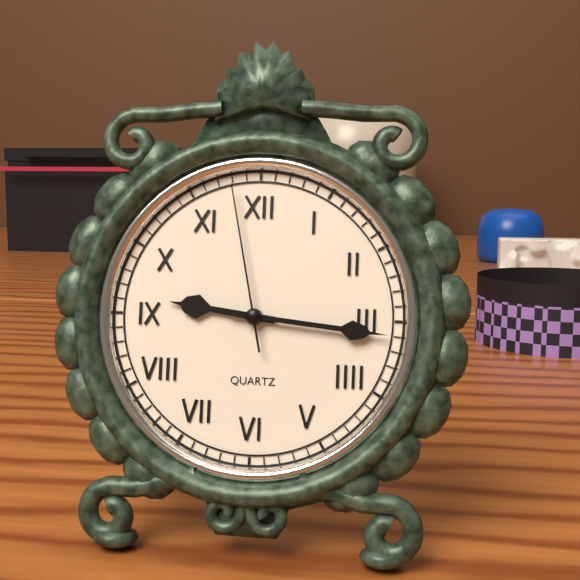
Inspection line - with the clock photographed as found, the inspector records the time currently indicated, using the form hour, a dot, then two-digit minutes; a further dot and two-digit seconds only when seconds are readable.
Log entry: 9.16.58
